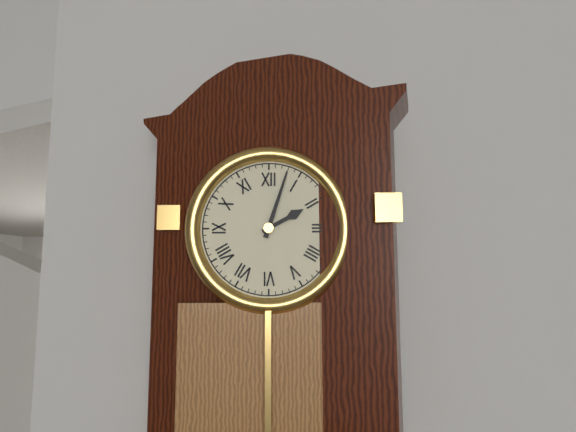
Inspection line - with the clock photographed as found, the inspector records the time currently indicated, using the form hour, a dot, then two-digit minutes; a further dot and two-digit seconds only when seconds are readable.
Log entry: 2.03
